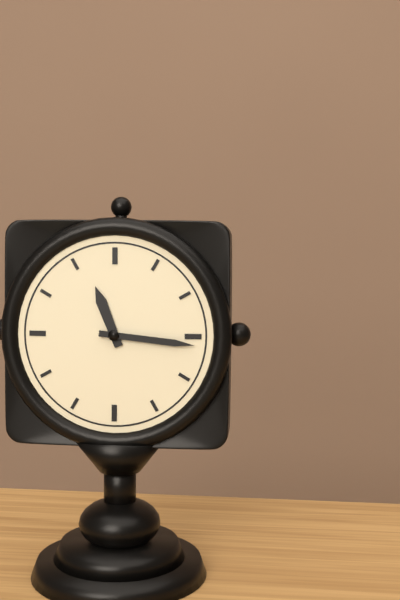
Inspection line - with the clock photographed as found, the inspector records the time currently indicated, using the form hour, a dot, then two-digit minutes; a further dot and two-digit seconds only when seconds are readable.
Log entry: 11.16
